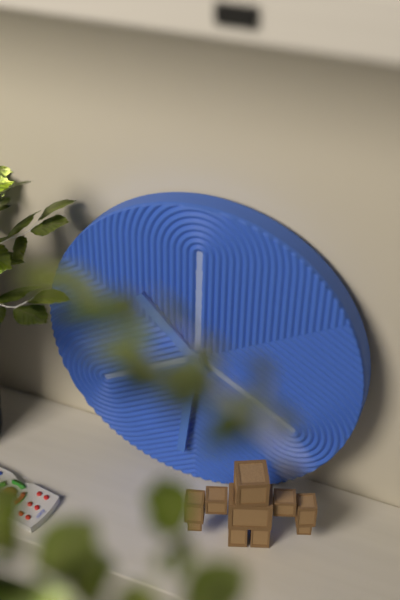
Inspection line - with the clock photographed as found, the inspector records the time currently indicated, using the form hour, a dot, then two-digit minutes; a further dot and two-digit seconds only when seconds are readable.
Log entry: 10.31
